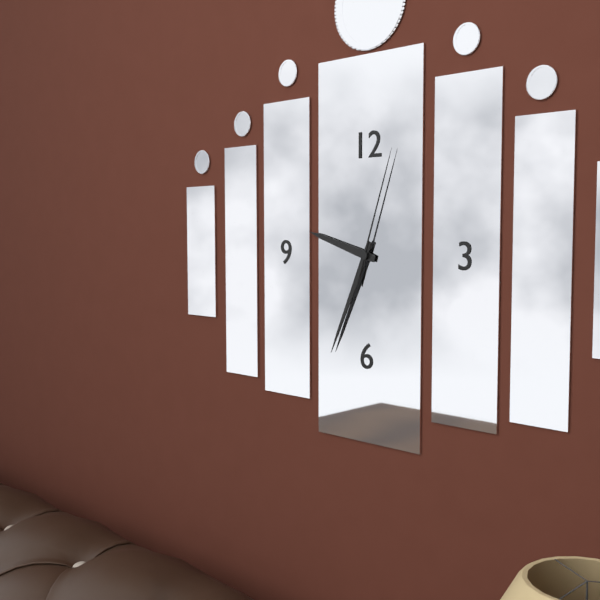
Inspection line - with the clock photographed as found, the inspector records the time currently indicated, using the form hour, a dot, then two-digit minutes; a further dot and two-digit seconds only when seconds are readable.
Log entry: 9.34.03
